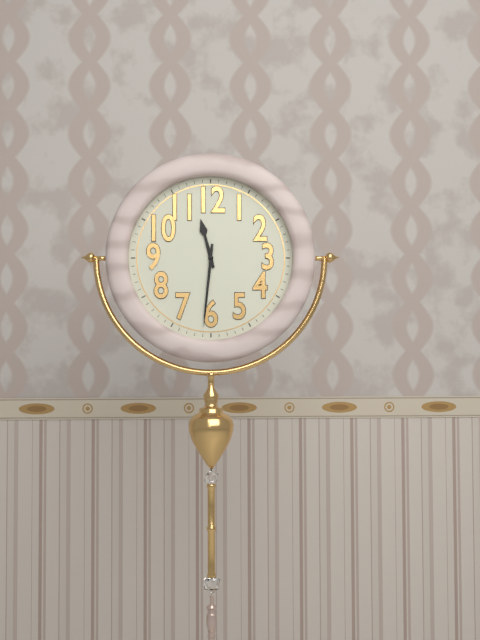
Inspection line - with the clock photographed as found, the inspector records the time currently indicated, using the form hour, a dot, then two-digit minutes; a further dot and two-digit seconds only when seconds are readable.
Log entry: 11.31
